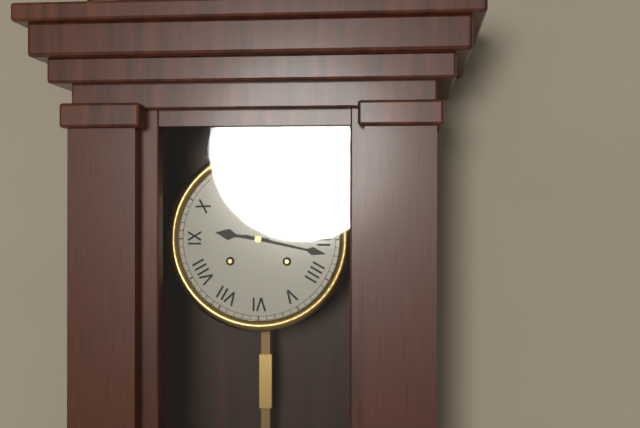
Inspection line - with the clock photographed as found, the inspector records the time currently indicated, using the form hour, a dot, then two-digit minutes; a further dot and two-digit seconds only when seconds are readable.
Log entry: 9.17
